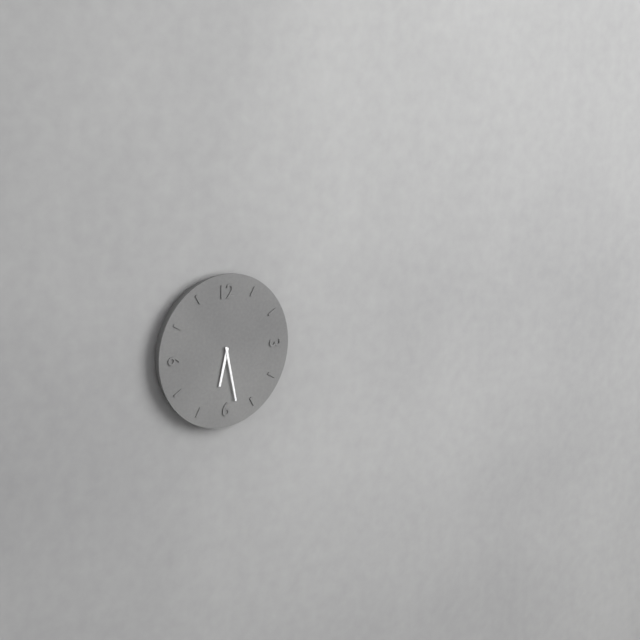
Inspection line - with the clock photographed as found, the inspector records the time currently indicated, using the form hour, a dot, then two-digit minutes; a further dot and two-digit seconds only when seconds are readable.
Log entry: 6.28
